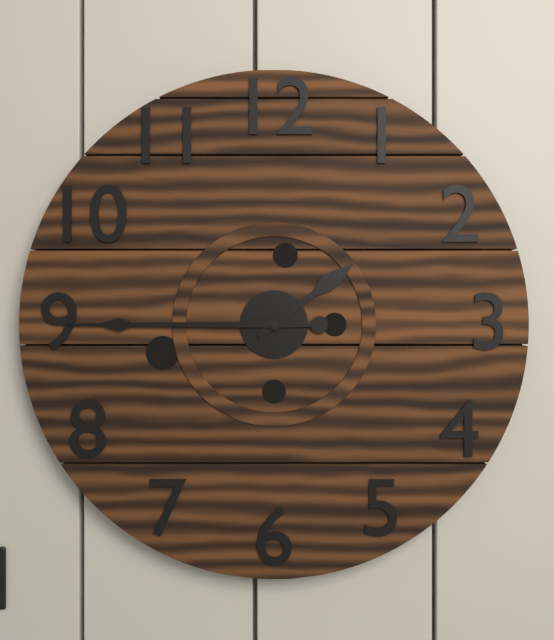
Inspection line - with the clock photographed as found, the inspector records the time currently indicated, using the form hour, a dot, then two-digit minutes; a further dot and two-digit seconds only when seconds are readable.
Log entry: 1.45
